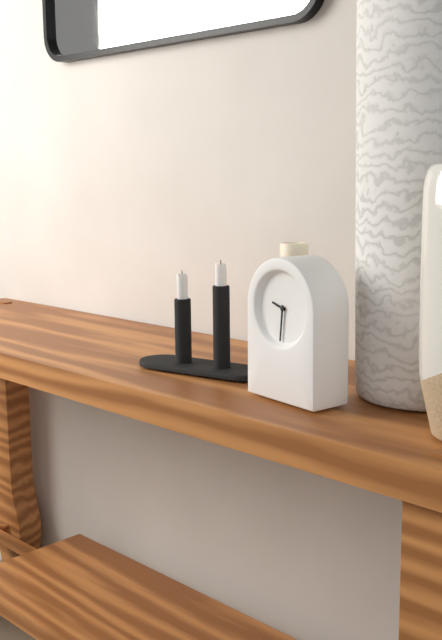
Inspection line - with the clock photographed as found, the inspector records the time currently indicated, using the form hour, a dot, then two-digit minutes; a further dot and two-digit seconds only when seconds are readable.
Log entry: 9.31
